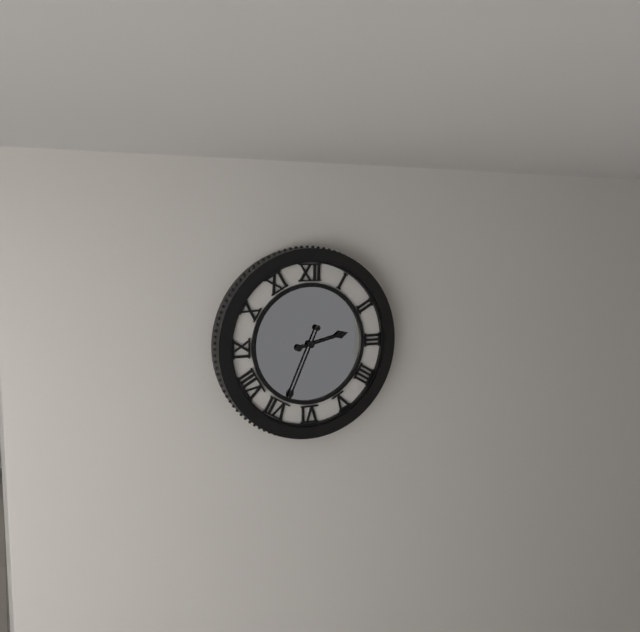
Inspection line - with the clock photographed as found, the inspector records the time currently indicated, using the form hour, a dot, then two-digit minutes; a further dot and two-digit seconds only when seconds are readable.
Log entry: 2.34
